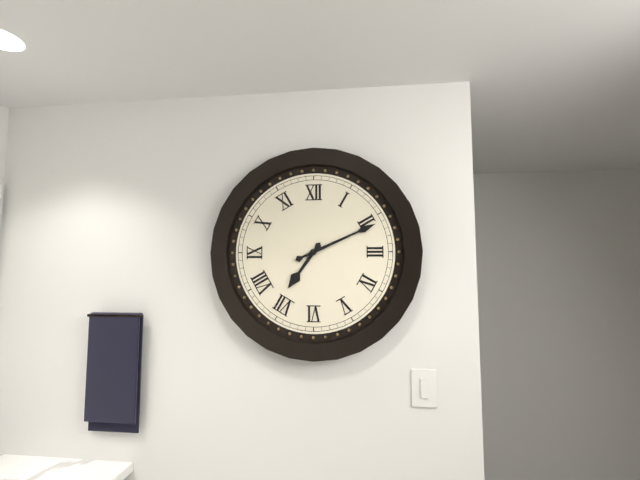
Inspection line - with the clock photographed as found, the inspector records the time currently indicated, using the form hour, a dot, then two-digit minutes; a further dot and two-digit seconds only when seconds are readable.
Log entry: 7.11
